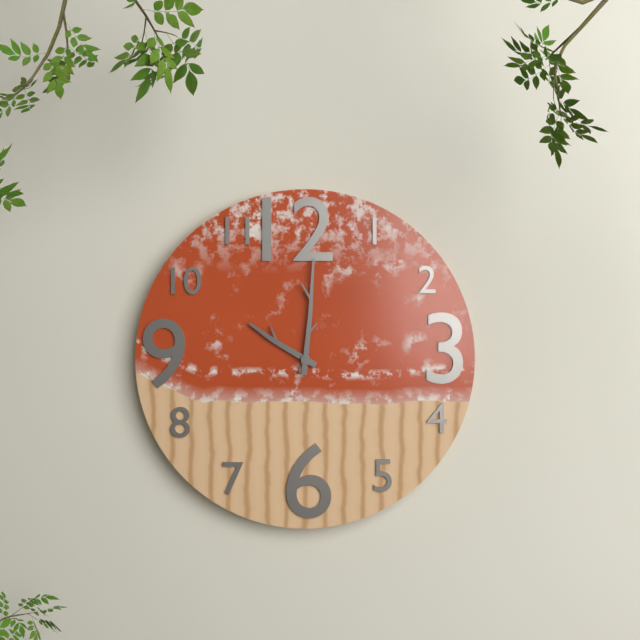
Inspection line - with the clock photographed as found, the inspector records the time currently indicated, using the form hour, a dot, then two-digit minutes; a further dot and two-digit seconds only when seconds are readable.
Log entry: 10.01
